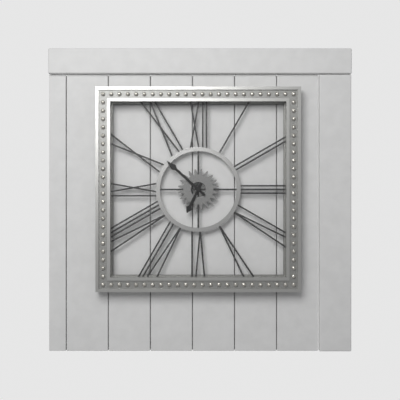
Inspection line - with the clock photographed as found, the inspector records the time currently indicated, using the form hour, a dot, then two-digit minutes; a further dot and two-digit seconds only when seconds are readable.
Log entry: 6.52
